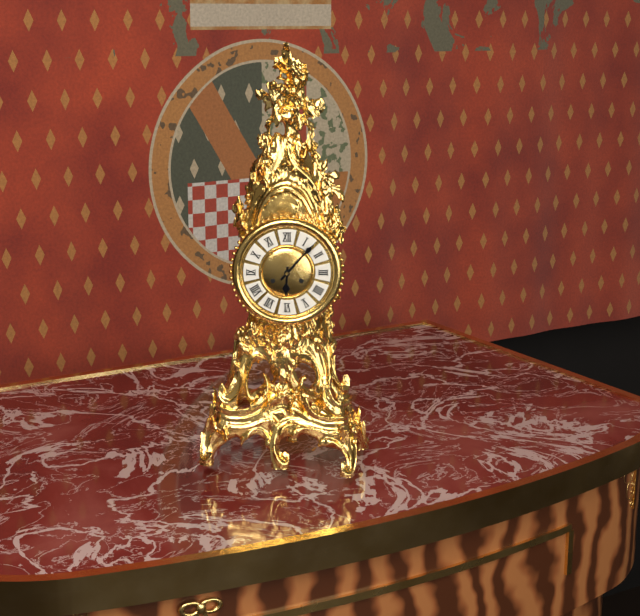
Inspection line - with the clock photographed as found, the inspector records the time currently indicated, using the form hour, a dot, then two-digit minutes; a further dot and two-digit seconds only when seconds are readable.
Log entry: 6.07
